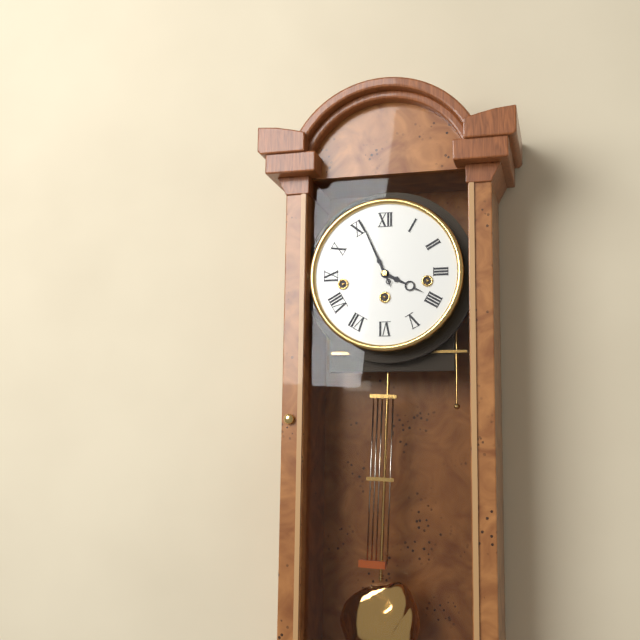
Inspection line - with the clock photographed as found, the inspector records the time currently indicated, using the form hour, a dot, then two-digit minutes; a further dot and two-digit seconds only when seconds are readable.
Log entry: 3.56
